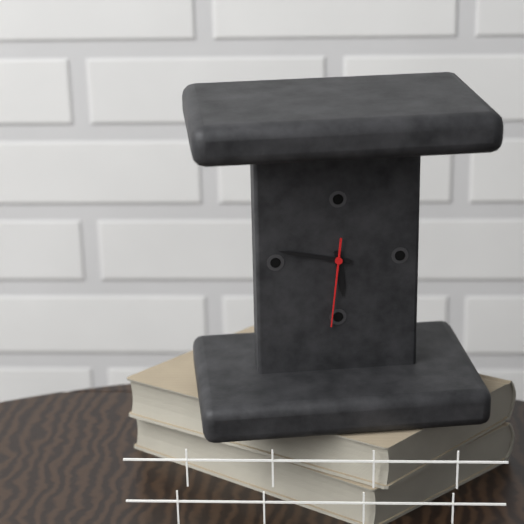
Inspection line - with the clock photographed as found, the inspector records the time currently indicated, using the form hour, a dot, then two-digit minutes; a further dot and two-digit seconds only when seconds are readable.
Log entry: 5.47.31
